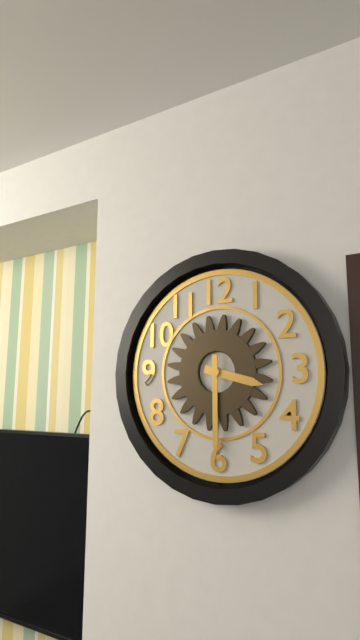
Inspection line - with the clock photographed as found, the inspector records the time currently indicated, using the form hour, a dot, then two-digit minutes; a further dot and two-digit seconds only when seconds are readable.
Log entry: 3.30
